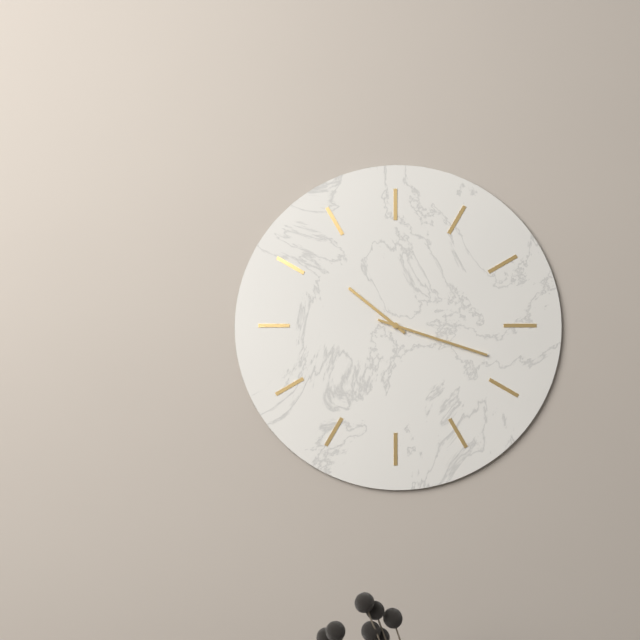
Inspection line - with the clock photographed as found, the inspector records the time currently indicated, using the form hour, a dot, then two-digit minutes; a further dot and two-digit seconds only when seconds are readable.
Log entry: 10.18
